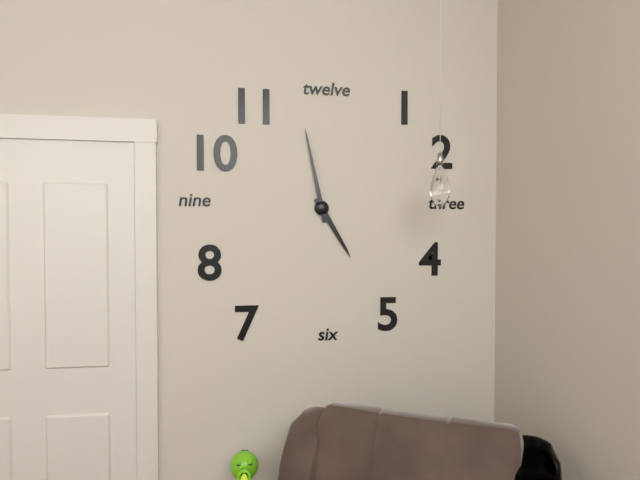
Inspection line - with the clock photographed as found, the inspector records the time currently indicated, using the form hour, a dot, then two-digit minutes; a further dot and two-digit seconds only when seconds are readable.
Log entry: 4.58
